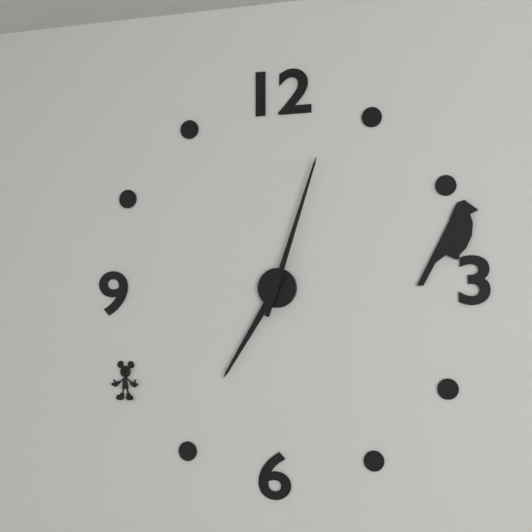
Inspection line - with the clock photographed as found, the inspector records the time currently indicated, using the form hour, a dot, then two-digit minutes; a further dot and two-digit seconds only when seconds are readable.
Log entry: 7.03
